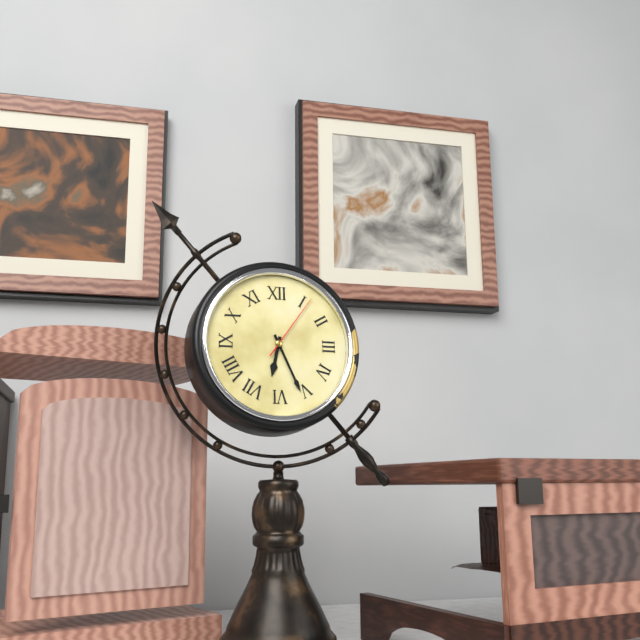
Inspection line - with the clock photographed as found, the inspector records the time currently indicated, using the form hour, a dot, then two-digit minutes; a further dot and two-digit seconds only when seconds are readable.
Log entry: 6.26.06
